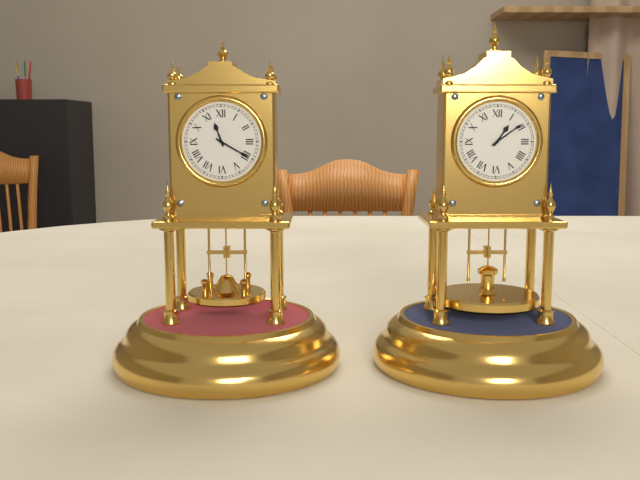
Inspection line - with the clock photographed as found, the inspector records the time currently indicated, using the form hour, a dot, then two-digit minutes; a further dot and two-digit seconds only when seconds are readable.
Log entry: 11.20
